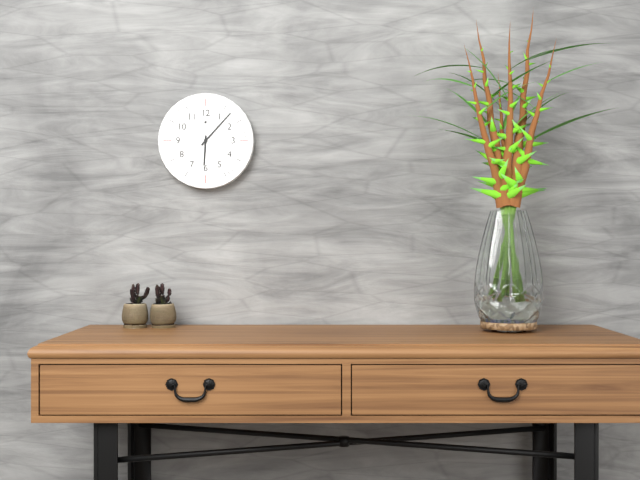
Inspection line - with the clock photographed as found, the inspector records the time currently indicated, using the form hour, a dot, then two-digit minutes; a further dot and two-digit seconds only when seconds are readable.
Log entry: 6.07
